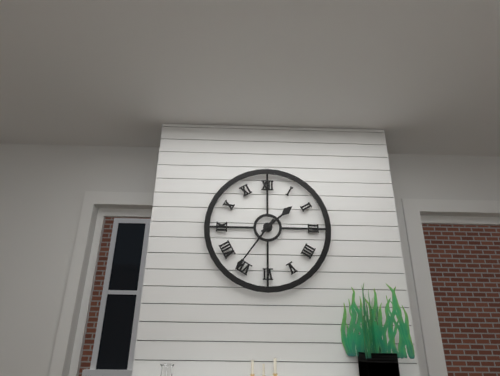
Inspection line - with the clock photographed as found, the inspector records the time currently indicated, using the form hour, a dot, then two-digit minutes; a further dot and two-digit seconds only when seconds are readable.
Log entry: 1.36
